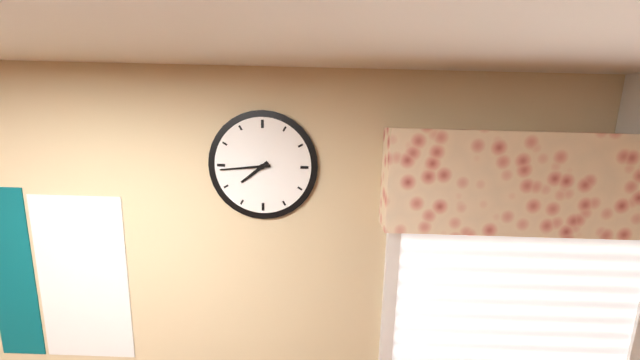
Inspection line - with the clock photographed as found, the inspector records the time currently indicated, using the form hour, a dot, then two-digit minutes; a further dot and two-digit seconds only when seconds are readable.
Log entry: 7.44
